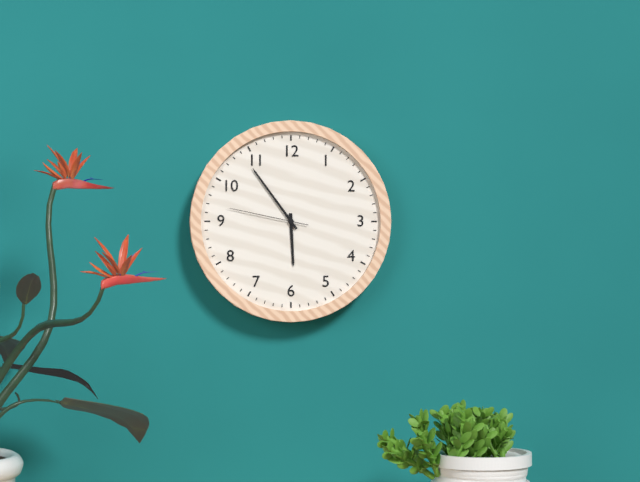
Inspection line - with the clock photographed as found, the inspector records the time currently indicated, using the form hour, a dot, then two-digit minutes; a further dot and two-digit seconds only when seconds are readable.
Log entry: 5.54.47
